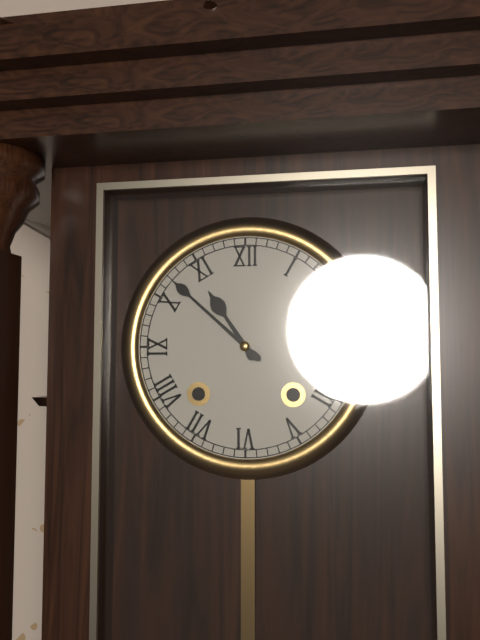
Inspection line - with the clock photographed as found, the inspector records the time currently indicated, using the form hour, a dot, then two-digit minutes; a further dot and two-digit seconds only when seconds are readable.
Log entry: 10.52
